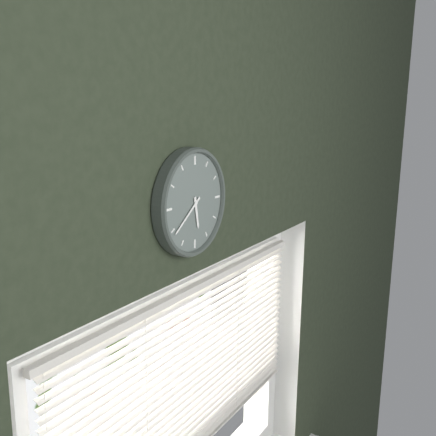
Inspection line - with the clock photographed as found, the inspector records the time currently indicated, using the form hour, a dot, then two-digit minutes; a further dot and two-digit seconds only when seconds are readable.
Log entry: 5.39
